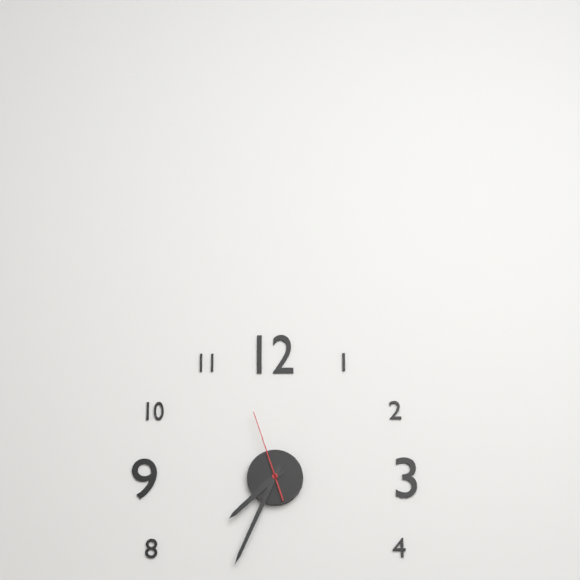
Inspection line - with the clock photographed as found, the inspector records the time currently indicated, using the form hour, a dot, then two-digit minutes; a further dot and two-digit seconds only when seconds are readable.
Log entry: 7.34.57
